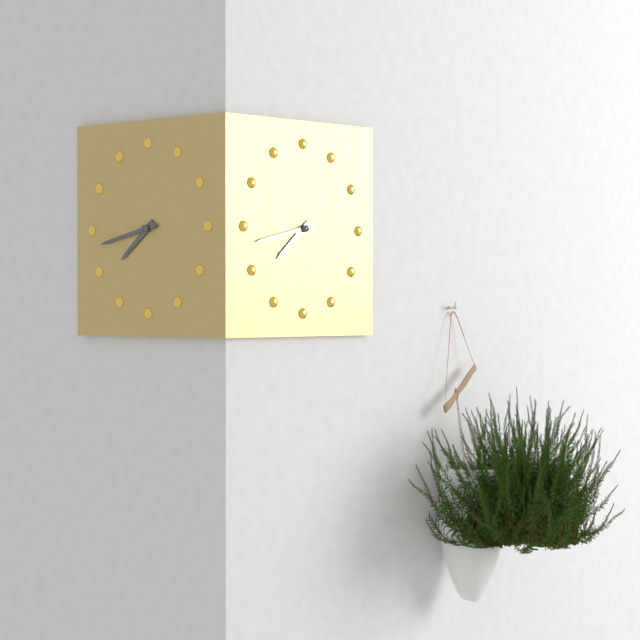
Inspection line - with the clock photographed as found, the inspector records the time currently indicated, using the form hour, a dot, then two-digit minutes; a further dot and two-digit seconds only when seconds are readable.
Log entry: 7.43
